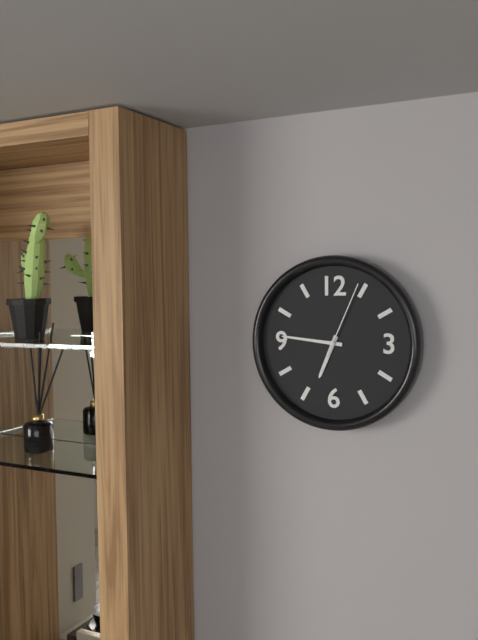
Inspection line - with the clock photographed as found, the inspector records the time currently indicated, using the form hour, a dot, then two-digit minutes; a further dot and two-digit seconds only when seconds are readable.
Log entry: 6.46.04
